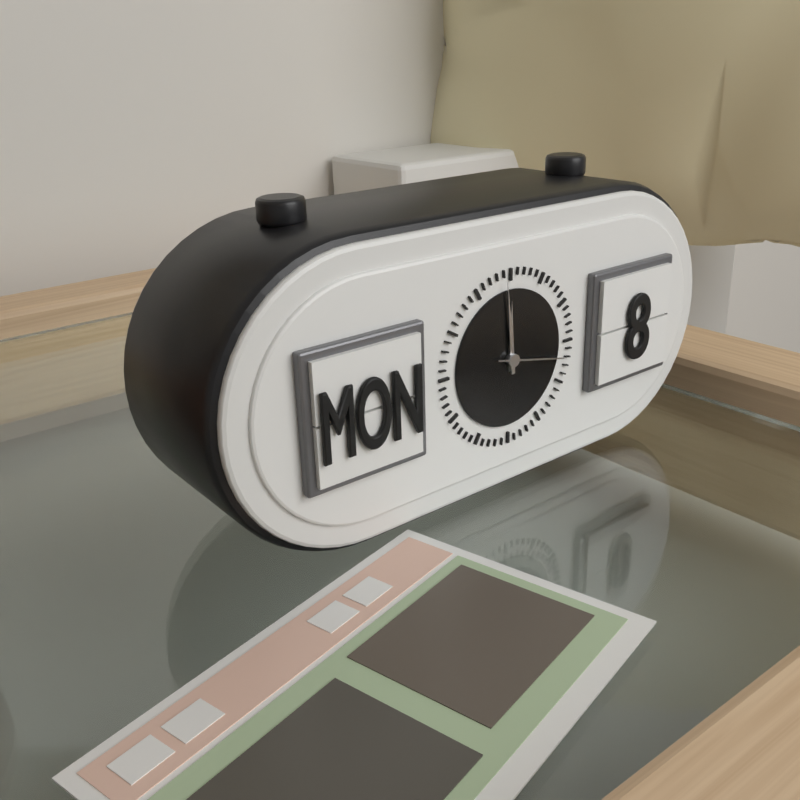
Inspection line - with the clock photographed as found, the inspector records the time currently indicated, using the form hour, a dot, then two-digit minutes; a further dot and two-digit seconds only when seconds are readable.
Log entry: 11.59.17
